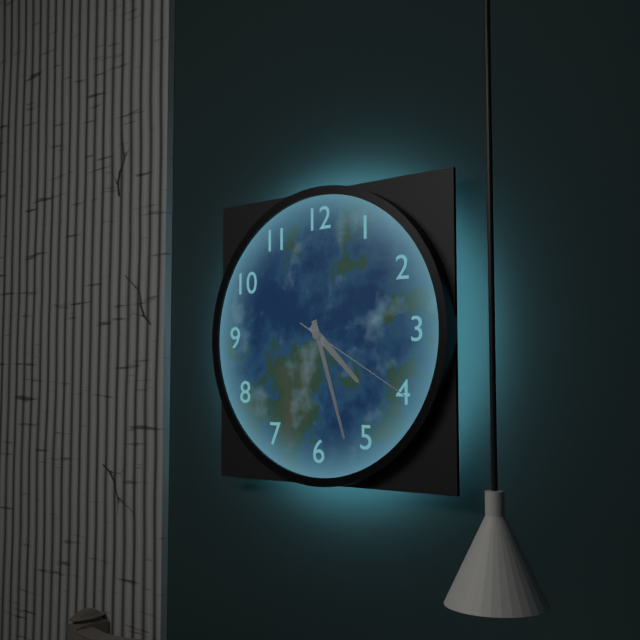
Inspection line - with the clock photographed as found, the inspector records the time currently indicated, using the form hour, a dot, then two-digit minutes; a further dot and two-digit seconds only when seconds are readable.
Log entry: 4.27.20
